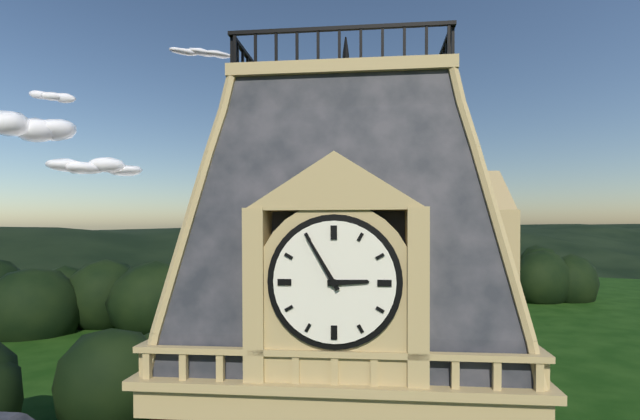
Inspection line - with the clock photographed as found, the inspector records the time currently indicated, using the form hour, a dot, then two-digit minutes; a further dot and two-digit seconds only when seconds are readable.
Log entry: 2.55
